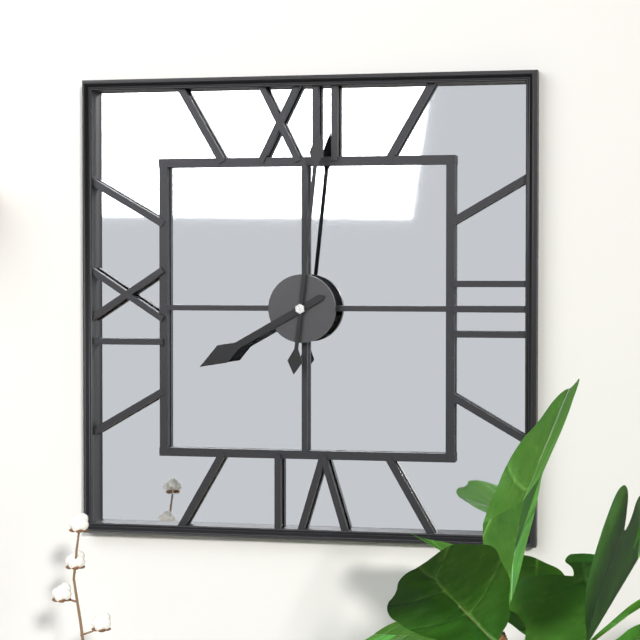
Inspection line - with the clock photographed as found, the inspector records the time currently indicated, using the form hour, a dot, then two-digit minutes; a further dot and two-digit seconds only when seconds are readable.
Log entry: 8.01
